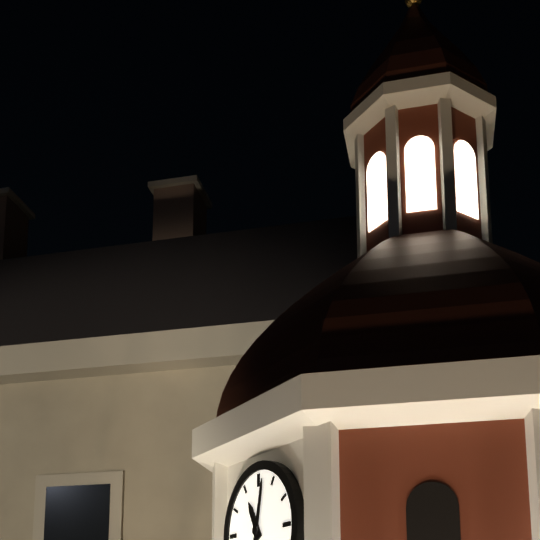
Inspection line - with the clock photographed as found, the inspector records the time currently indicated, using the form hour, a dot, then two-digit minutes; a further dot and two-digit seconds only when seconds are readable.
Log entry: 11.02
